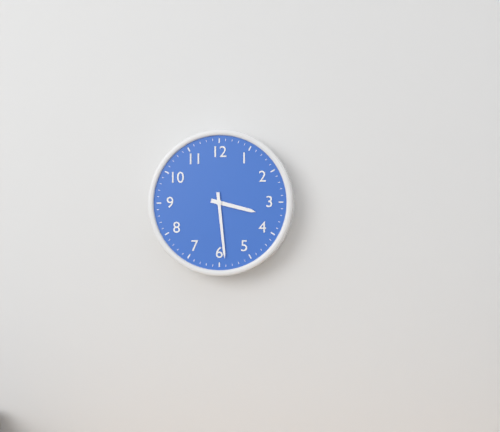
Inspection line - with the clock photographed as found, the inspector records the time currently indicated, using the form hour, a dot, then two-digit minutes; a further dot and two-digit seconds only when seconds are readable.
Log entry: 3.29
